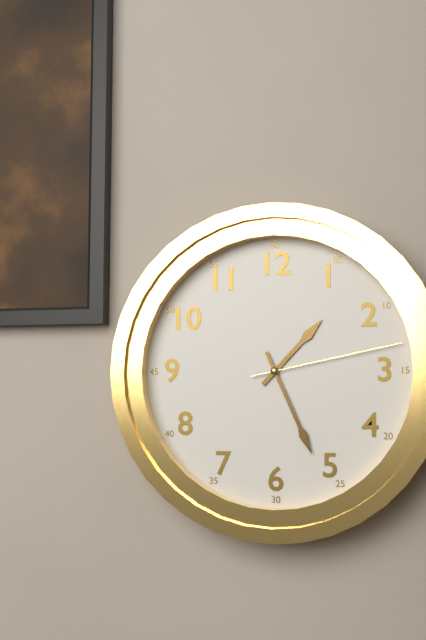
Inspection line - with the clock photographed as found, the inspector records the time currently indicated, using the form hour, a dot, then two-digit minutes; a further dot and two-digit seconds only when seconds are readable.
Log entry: 1.26.13
